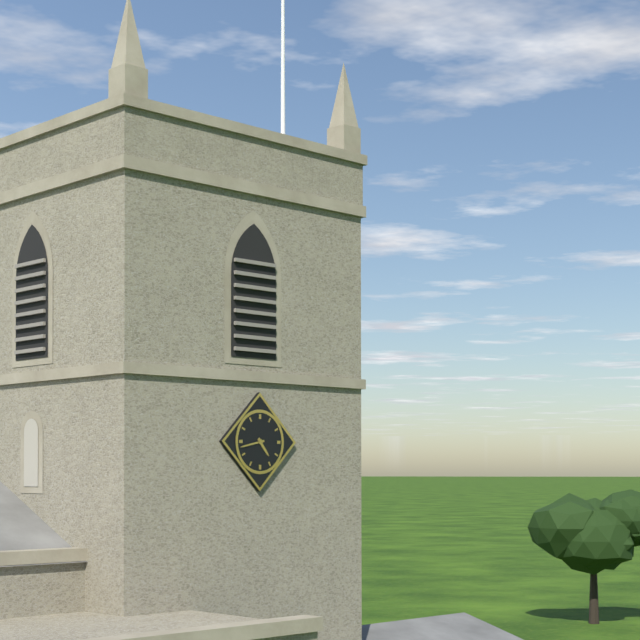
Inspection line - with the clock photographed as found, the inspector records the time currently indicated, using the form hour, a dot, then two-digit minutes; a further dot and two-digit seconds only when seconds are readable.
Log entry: 4.43
